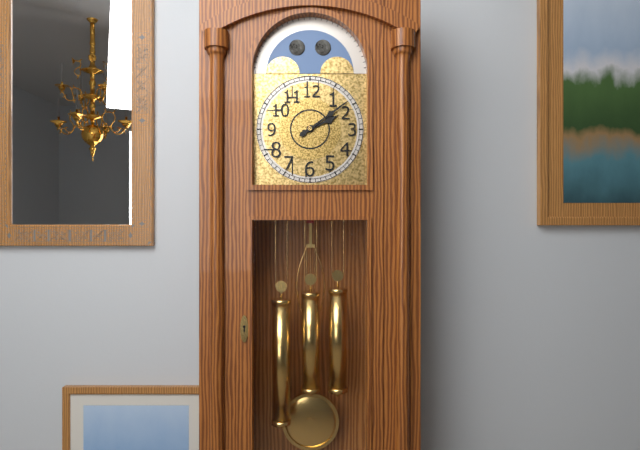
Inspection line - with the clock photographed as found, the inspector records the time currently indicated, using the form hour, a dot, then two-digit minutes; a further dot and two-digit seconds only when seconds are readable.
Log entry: 2.09
